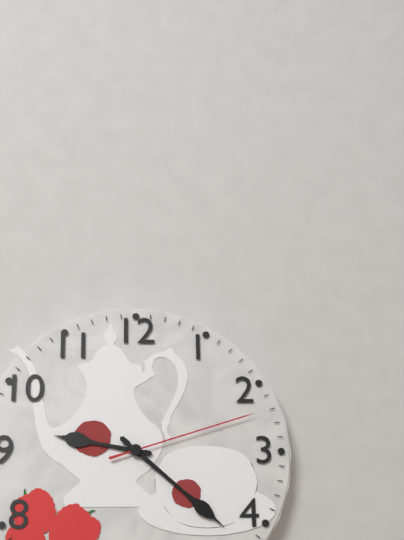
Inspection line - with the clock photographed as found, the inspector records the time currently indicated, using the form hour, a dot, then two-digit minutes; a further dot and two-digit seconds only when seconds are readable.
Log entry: 9.22.12
